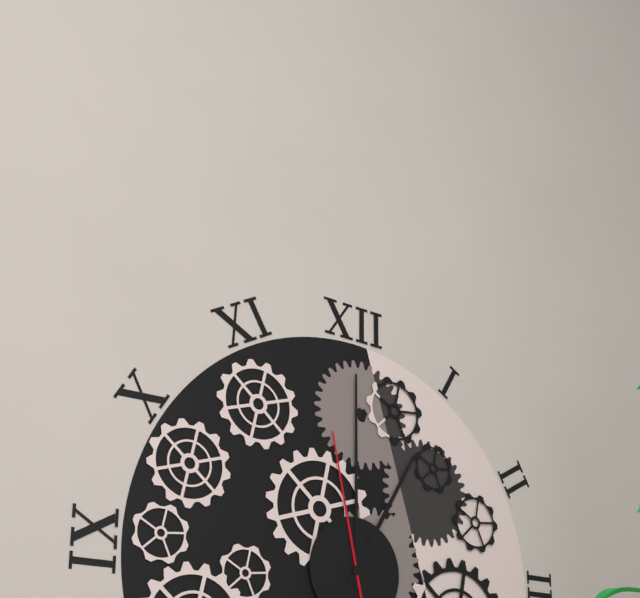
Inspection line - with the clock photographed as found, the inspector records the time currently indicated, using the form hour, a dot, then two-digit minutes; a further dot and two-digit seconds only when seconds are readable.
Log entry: 1.00.58
